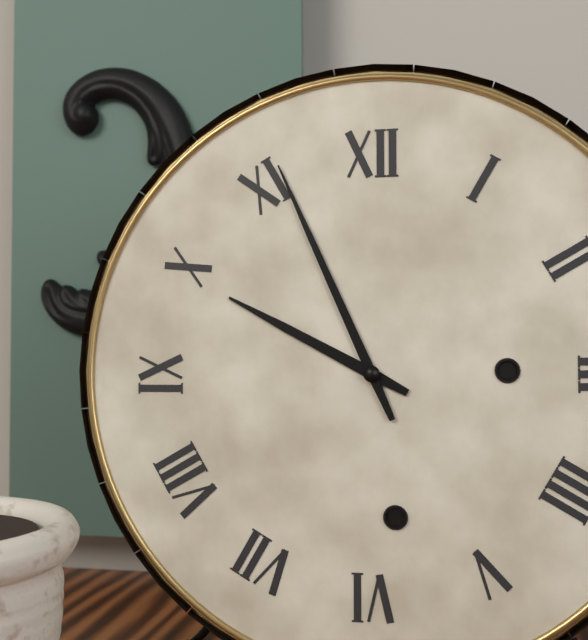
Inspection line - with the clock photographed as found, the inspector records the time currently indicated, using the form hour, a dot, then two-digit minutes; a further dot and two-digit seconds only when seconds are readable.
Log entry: 9.56
